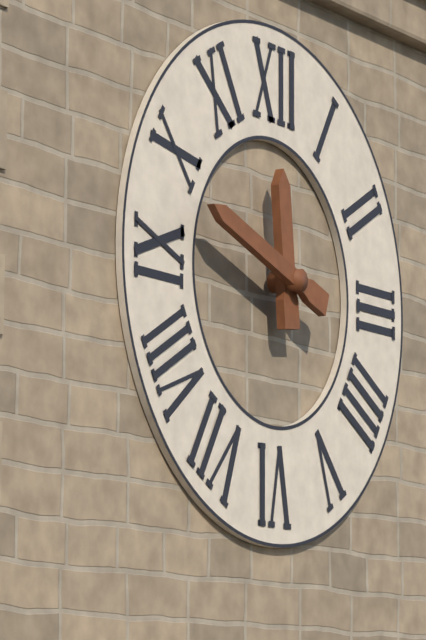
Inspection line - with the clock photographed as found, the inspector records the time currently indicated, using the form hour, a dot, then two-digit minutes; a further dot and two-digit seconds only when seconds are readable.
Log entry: 11.48
